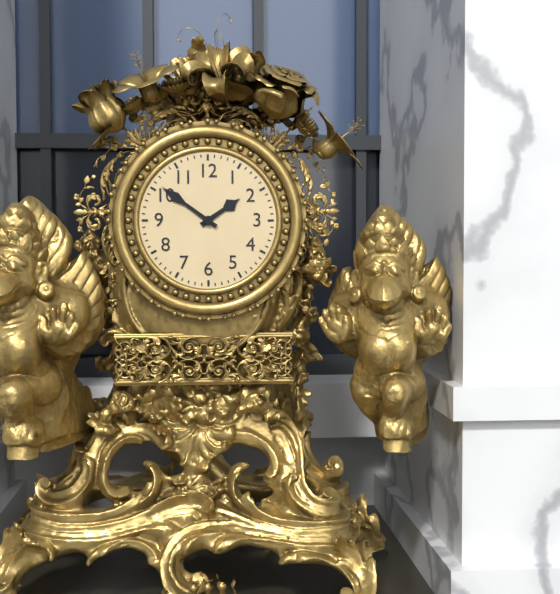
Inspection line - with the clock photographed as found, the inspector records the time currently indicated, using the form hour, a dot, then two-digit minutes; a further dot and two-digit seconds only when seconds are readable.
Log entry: 1.51
